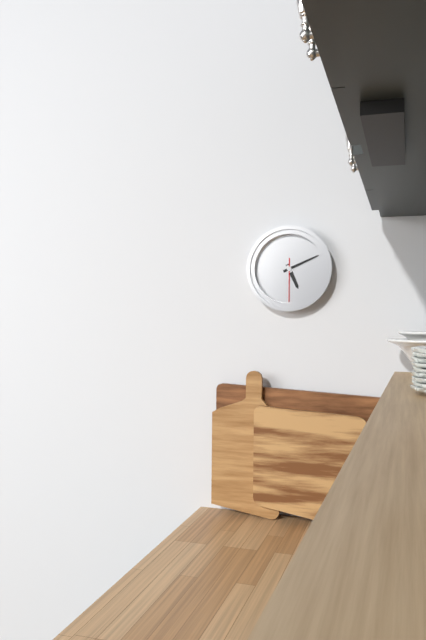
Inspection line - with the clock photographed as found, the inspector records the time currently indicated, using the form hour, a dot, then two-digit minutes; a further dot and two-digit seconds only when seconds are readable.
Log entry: 5.11
